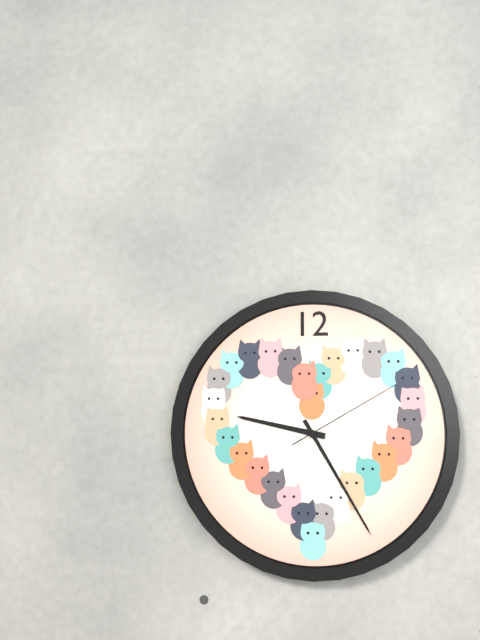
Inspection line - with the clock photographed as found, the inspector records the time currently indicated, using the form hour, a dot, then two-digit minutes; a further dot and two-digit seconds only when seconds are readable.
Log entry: 9.25.10
